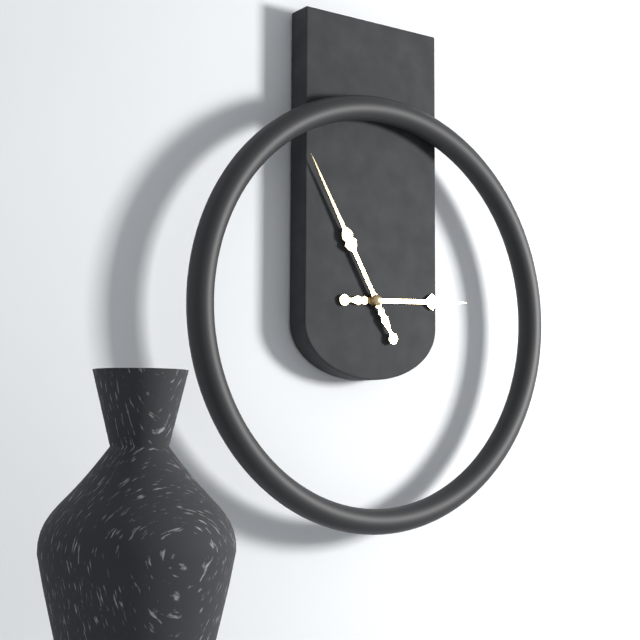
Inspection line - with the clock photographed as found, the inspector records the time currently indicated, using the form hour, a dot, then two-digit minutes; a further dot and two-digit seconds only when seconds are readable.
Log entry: 2.55
